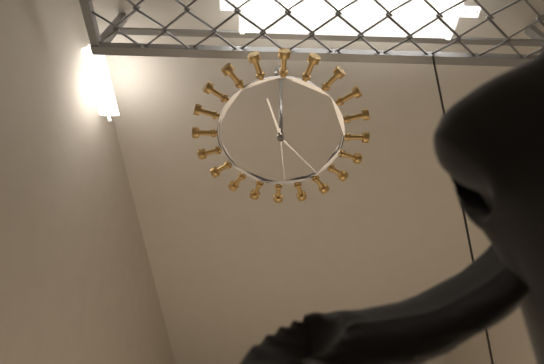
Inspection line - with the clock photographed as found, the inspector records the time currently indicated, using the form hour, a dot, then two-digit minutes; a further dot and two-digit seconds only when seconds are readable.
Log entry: 11.23.29
